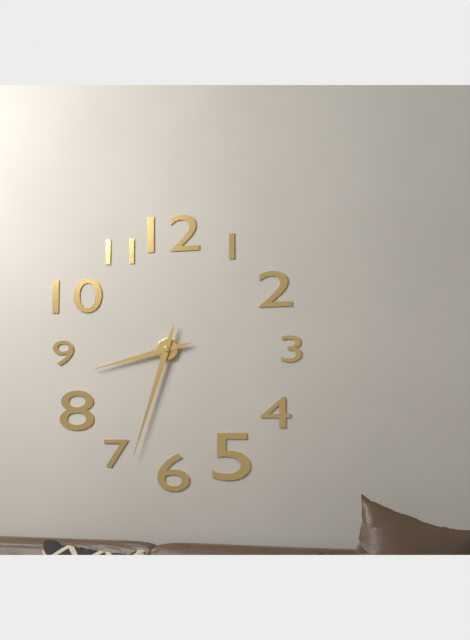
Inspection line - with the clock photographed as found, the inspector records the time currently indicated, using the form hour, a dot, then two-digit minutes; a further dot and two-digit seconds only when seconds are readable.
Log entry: 8.33
